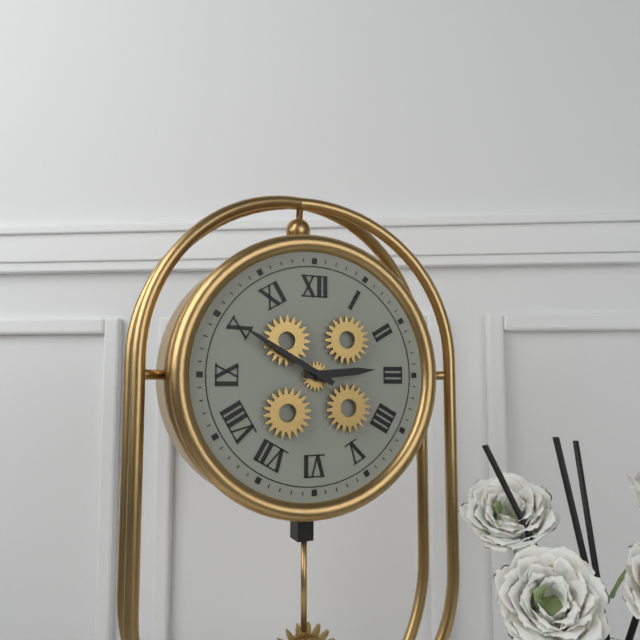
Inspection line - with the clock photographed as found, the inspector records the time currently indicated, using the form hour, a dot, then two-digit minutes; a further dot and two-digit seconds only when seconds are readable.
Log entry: 2.50
